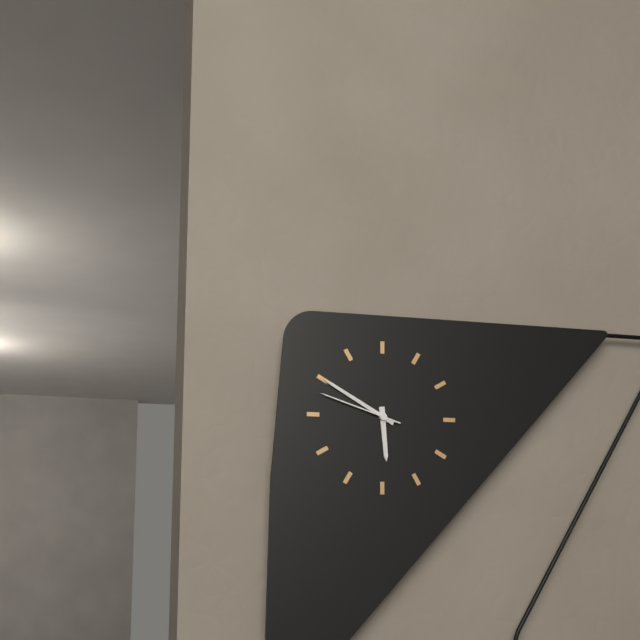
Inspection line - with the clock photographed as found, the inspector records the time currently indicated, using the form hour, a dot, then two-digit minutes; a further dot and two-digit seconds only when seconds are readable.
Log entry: 5.50.48
